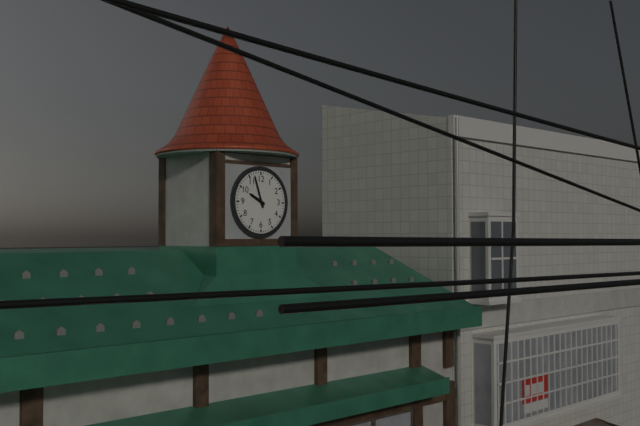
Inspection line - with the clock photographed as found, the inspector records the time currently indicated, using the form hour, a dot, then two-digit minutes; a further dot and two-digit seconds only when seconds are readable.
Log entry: 9.57
